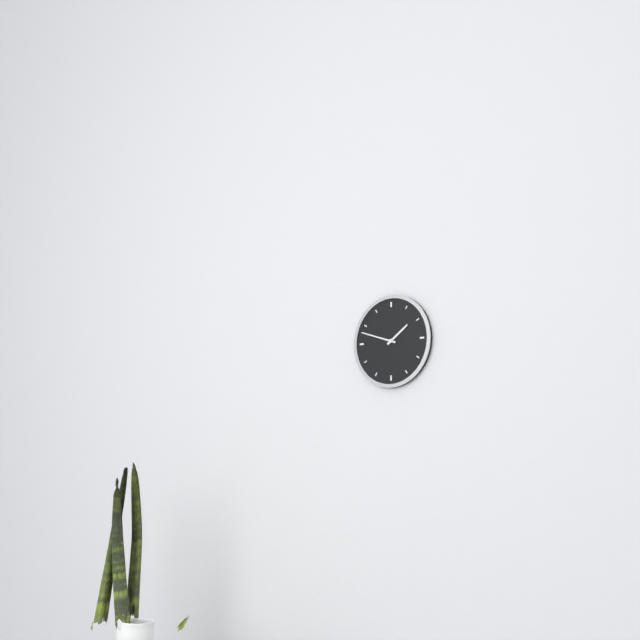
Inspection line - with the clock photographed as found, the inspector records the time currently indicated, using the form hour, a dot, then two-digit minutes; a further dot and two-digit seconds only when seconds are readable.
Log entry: 1.48
